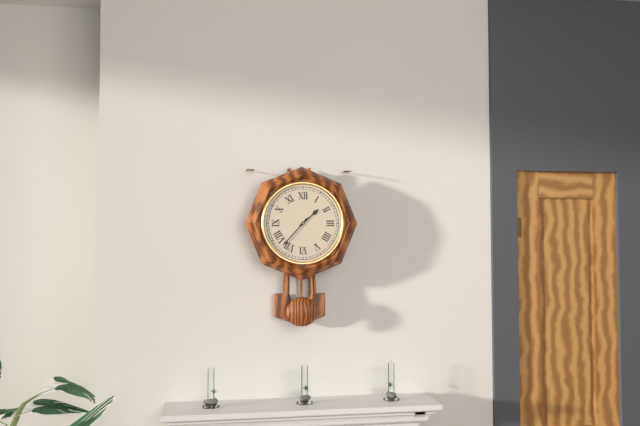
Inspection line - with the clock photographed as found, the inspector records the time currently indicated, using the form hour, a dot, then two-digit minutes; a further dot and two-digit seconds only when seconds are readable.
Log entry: 1.37
